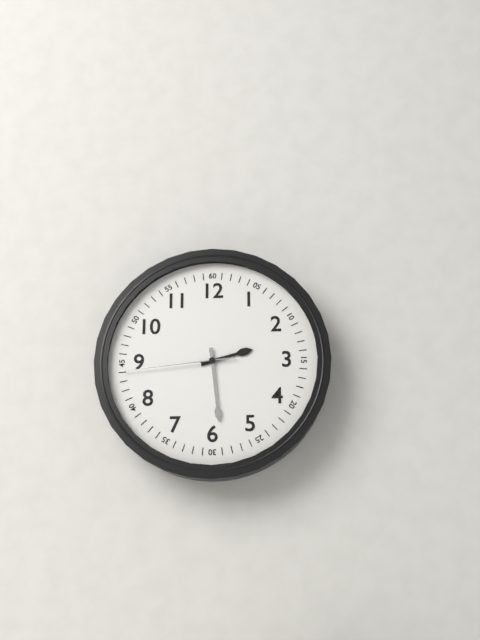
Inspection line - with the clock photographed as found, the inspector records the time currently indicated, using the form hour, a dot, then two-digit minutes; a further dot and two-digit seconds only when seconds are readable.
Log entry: 2.29.44
